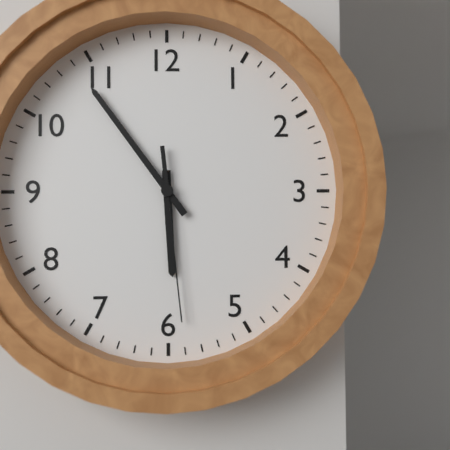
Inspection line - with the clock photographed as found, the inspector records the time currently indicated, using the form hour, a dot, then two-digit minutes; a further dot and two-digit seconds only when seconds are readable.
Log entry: 5.54.29
